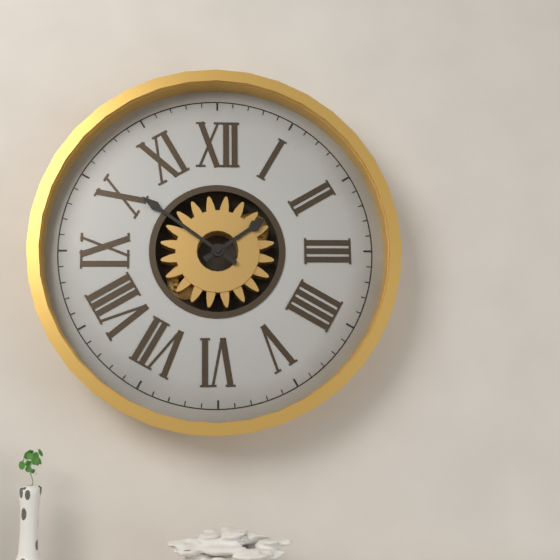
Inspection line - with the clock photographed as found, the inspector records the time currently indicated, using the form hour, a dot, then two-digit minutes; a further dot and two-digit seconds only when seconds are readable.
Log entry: 1.51
